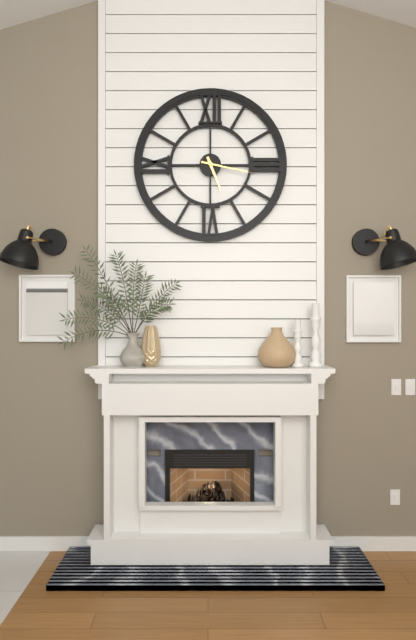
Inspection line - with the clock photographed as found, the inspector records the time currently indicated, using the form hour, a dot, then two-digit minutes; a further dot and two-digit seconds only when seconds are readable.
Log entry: 5.17
